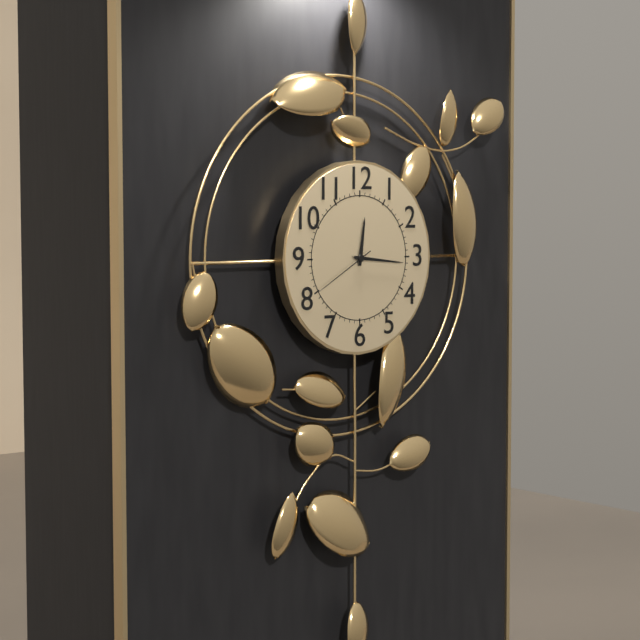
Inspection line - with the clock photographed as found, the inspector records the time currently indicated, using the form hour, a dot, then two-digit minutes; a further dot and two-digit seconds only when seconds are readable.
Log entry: 12.16.40
